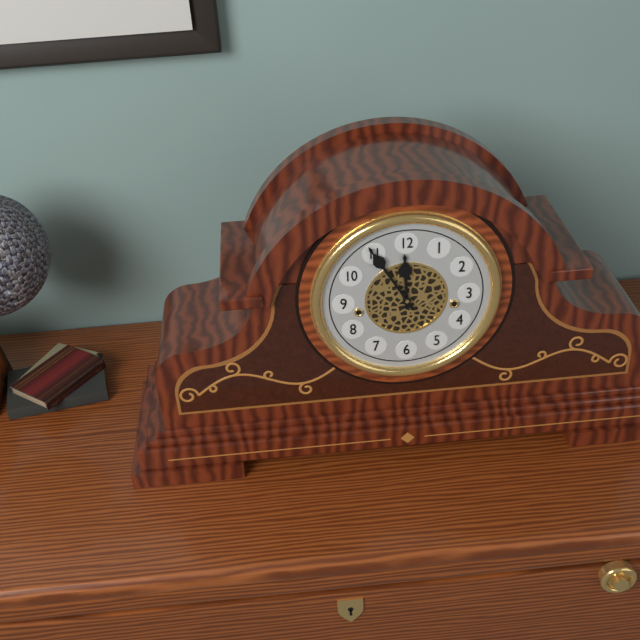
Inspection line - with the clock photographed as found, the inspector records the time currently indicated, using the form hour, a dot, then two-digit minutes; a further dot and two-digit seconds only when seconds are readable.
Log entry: 11.55
